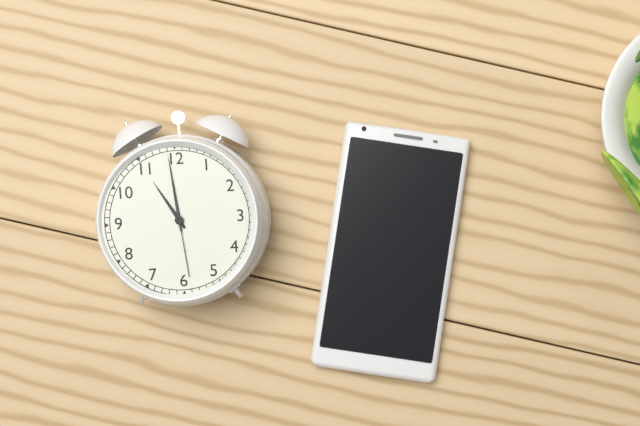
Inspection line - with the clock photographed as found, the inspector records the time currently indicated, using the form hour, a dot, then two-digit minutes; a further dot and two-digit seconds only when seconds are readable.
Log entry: 10.59.29
